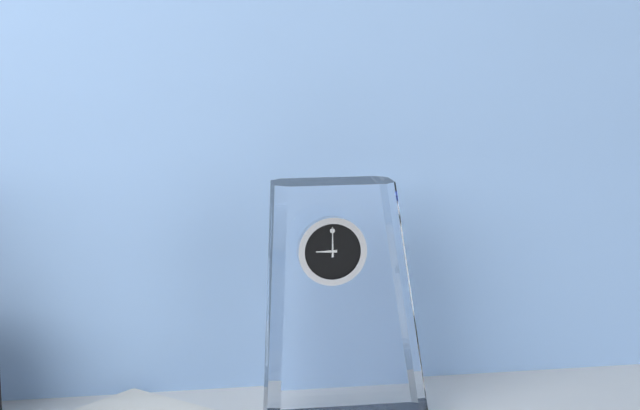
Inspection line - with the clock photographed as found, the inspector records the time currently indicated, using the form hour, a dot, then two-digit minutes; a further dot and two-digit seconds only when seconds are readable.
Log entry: 9.00
